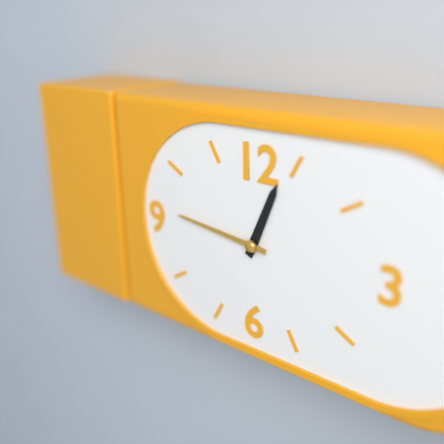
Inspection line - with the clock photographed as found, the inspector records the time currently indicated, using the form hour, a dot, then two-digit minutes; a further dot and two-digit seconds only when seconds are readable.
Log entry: 12.46
